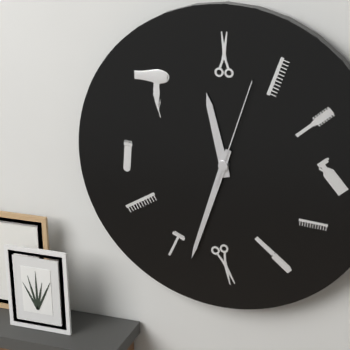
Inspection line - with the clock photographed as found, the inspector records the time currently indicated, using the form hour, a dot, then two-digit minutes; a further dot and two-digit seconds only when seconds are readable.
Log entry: 11.33.03
